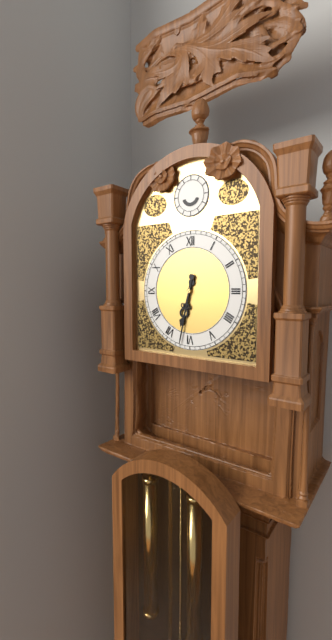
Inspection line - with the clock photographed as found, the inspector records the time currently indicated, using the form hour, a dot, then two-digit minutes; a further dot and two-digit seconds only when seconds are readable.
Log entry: 6.32
